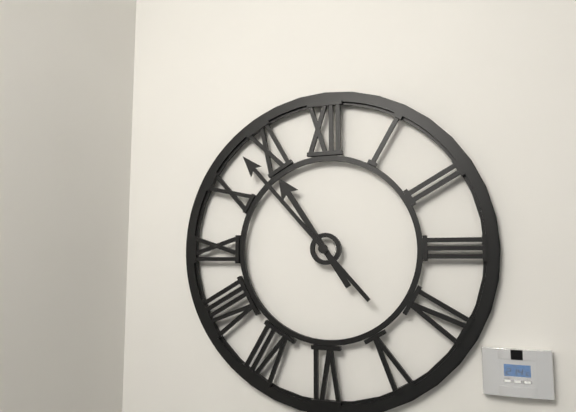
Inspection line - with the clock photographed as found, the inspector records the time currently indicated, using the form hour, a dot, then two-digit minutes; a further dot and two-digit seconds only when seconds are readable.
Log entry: 10.53
